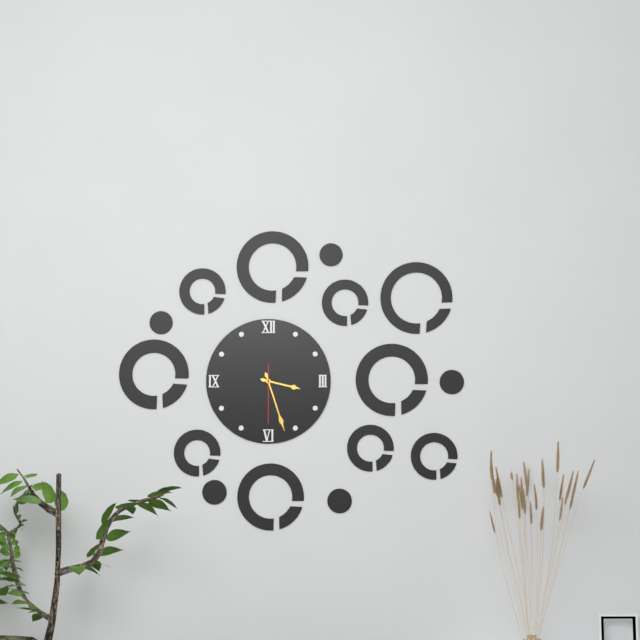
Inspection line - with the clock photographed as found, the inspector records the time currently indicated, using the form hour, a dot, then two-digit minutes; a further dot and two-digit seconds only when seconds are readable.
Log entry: 3.27.30
